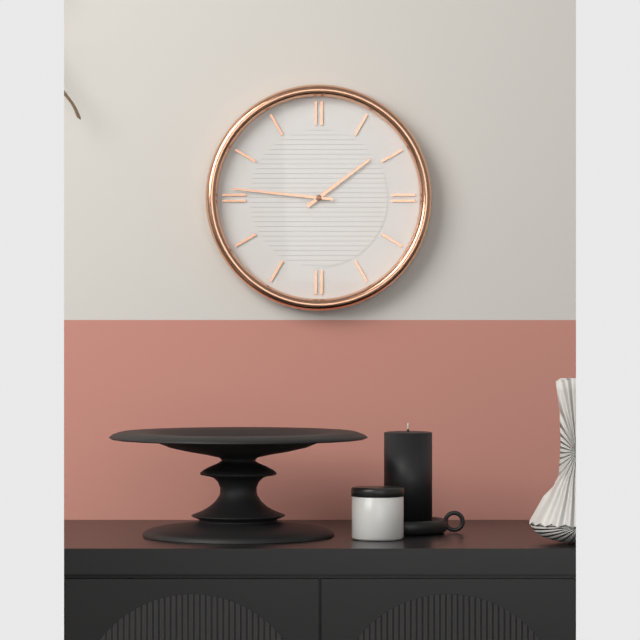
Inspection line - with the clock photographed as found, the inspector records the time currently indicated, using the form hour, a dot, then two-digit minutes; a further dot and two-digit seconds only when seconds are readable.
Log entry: 1.46
